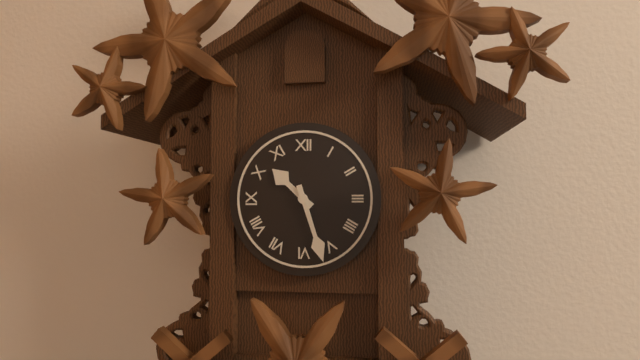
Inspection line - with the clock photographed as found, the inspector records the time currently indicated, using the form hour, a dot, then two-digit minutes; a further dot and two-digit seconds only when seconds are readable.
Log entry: 10.27
